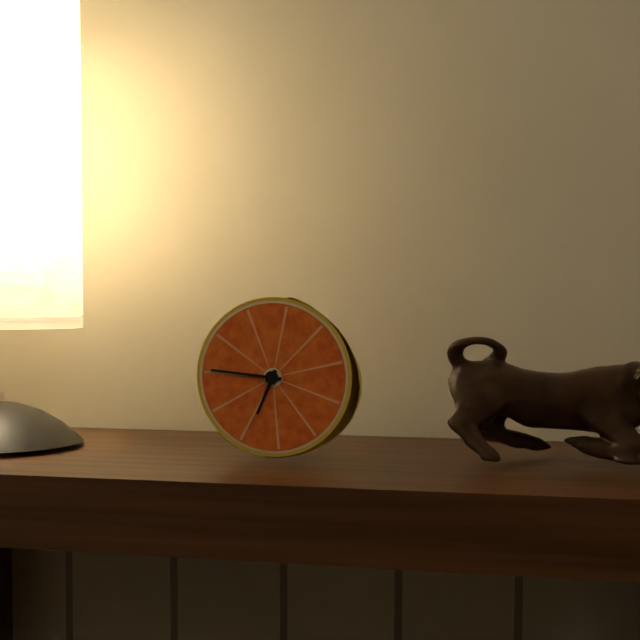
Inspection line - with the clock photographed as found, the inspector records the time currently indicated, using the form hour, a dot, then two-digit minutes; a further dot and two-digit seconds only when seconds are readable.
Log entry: 6.46
